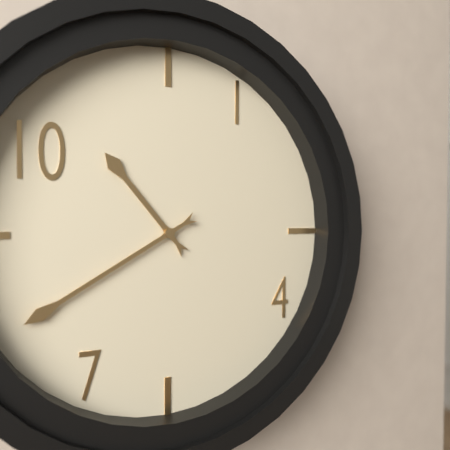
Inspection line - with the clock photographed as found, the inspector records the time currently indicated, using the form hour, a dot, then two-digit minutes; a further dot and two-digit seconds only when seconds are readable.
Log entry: 10.40
